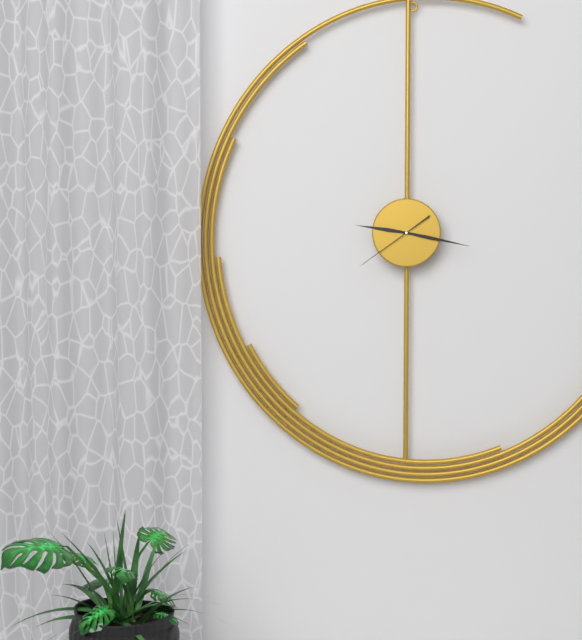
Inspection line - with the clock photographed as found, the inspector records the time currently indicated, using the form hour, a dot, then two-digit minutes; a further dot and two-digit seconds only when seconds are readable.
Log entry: 9.17.39
